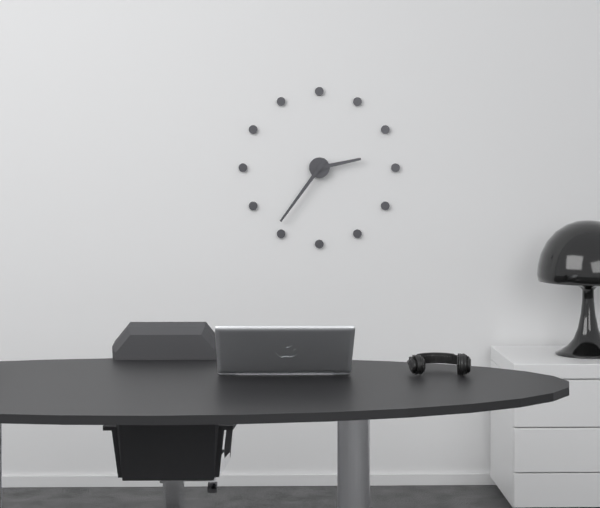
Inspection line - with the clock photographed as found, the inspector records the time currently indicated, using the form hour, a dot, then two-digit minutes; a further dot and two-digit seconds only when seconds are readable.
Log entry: 2.36
